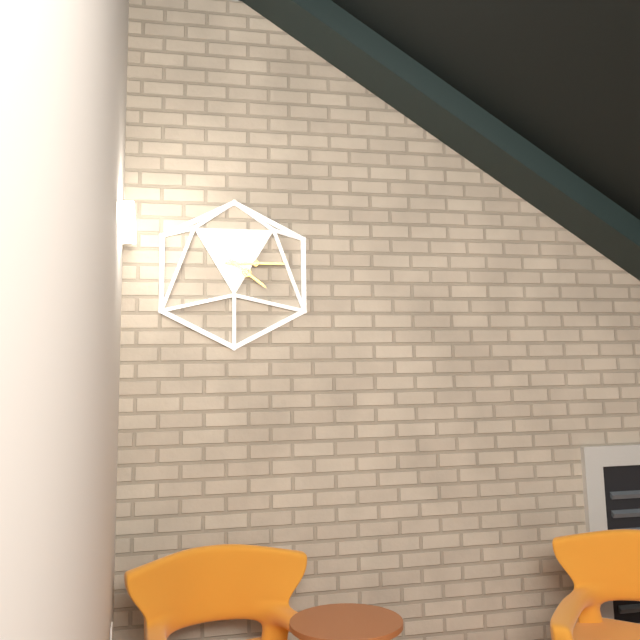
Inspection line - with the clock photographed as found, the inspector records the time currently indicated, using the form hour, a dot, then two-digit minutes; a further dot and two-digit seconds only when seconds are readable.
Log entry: 4.15
